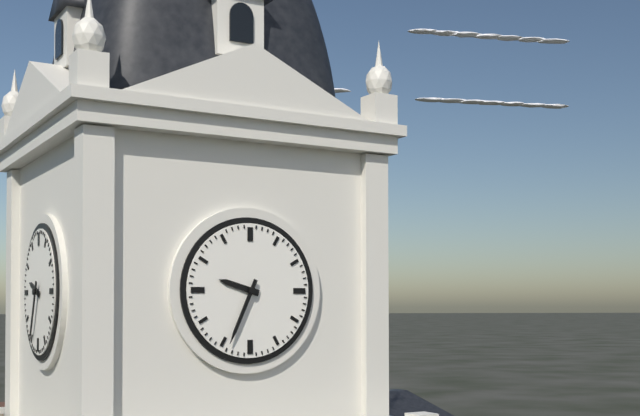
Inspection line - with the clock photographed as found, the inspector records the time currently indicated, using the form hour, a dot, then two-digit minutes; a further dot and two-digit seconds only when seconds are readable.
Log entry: 9.34
